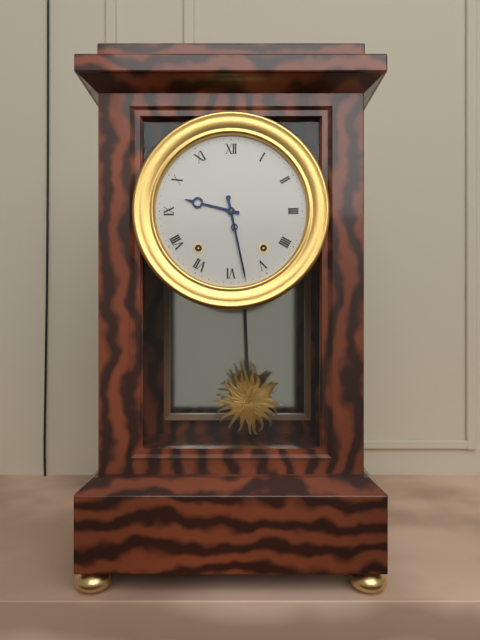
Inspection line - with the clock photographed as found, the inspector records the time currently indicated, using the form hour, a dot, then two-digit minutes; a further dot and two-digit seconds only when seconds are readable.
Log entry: 9.28
